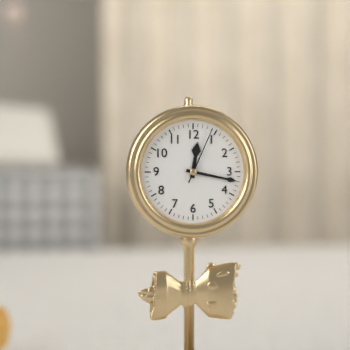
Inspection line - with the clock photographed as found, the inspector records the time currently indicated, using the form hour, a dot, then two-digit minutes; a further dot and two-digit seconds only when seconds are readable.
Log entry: 12.17.04
